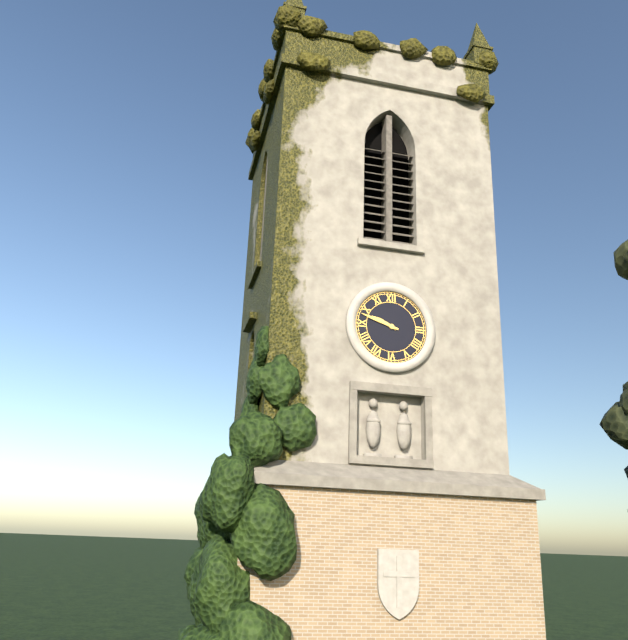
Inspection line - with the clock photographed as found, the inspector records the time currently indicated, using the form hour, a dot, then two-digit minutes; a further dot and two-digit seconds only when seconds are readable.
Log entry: 9.48
